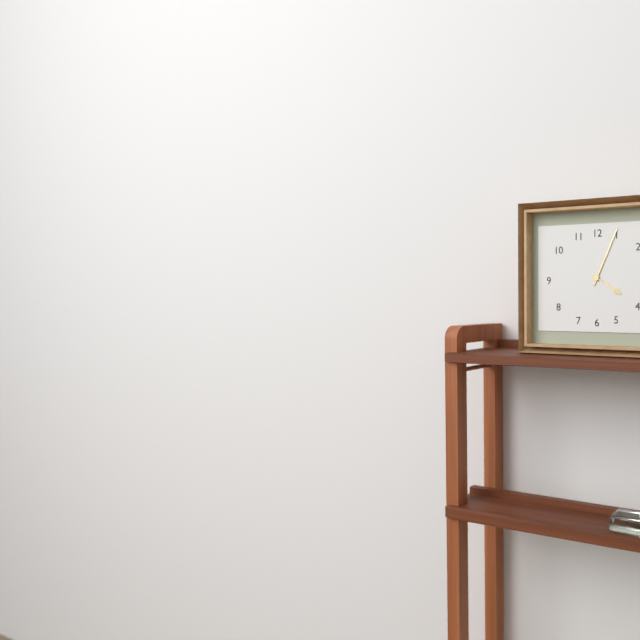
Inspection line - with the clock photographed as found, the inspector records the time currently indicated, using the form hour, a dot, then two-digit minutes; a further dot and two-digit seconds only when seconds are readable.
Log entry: 4.04
